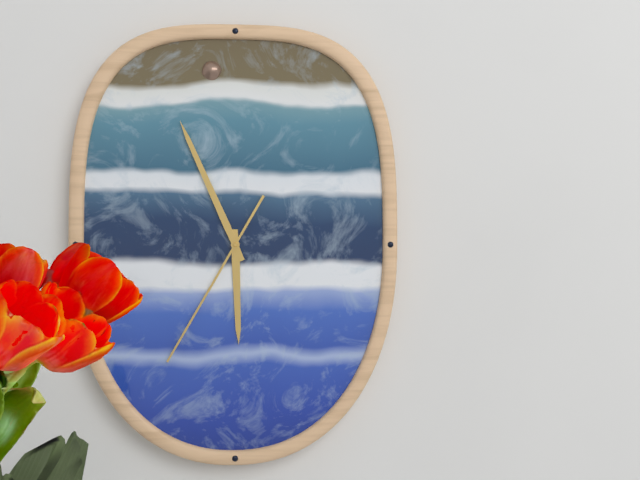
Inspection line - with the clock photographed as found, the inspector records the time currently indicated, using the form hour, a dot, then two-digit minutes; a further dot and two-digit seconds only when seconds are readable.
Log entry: 5.56.35
